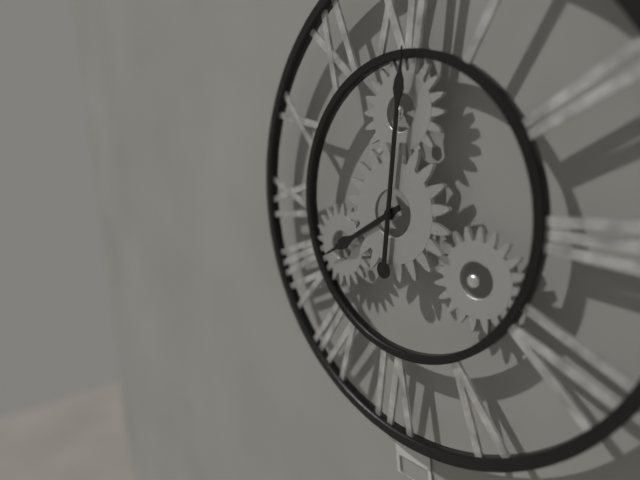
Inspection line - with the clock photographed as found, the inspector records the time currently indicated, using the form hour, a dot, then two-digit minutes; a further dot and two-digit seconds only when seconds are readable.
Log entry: 8.01
